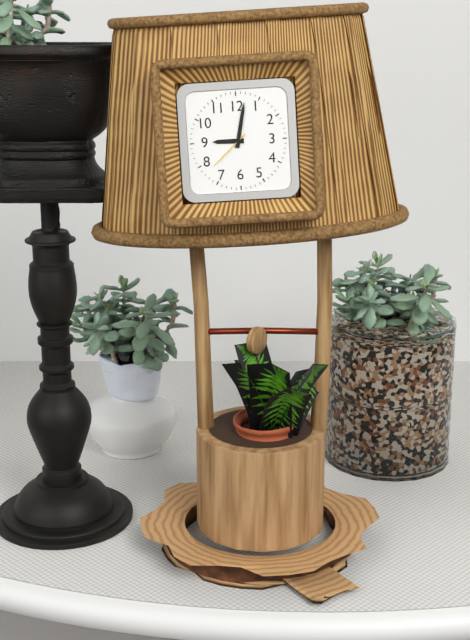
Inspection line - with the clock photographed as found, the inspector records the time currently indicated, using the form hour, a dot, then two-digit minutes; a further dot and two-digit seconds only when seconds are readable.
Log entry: 9.02
